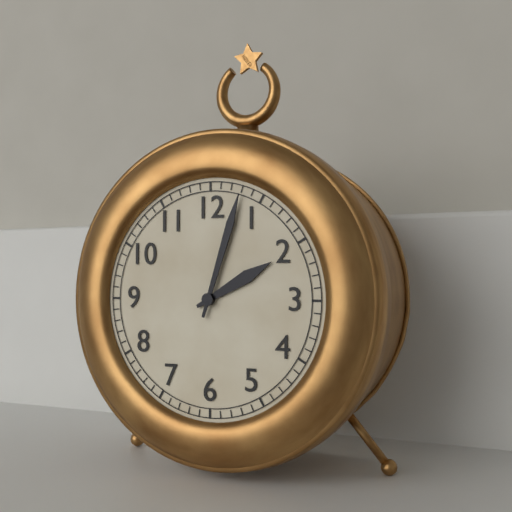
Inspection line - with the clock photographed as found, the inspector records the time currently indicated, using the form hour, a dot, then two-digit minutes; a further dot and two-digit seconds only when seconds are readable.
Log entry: 2.03
